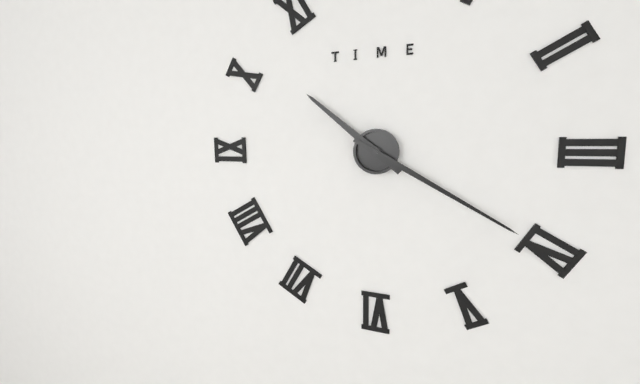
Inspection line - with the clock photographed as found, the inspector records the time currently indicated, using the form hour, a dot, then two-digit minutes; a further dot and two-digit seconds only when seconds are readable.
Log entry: 10.20
